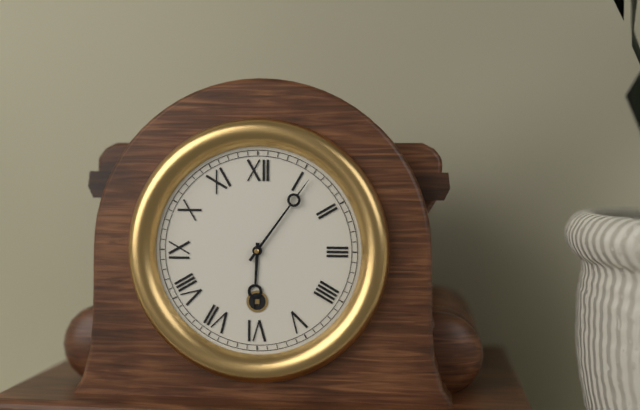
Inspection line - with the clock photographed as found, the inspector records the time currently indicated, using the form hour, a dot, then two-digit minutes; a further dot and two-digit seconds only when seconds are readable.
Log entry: 6.06
